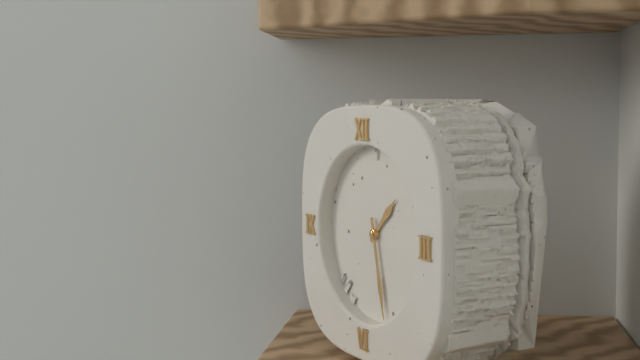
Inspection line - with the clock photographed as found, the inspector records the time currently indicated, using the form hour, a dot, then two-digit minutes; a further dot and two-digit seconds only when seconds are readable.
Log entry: 1.28
